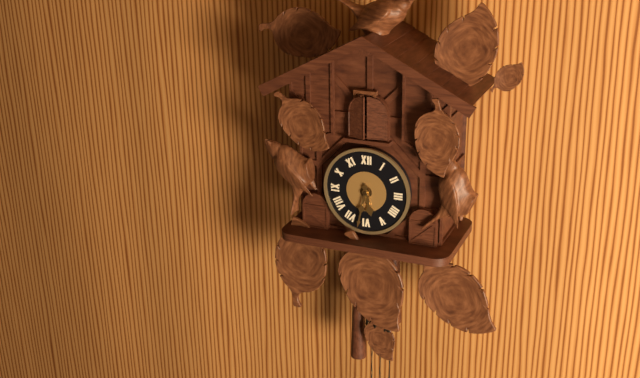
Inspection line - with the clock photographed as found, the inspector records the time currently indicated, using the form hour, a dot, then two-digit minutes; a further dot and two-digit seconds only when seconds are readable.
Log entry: 5.32
